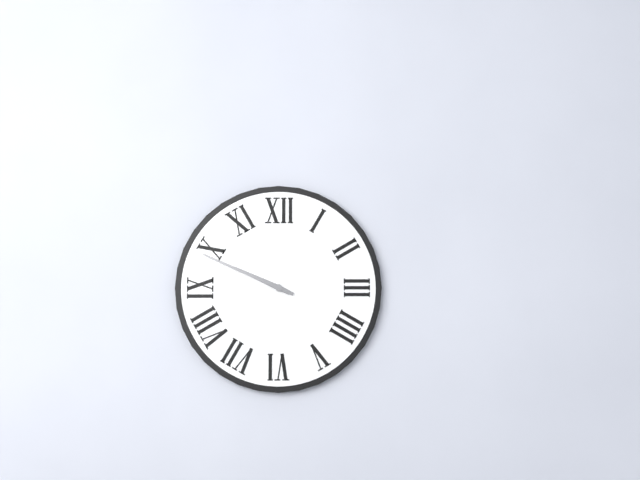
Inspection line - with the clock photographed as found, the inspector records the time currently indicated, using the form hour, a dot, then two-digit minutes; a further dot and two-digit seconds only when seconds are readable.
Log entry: 9.49
